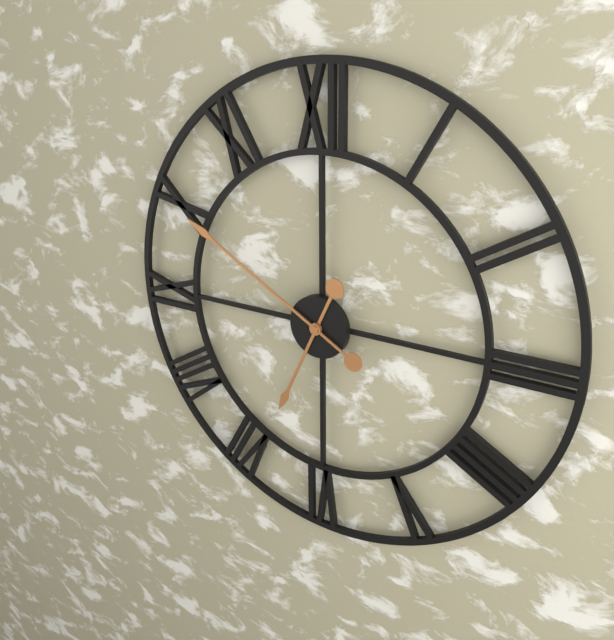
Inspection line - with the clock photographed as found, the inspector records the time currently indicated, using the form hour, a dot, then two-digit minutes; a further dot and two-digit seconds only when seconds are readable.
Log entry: 6.50
